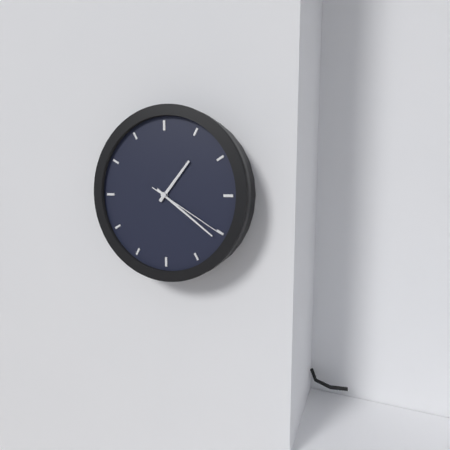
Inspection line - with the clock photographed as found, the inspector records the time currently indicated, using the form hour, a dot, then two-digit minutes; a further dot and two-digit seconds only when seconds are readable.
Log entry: 1.21.20
